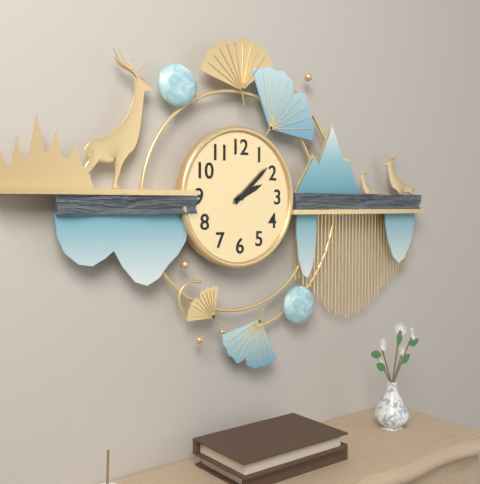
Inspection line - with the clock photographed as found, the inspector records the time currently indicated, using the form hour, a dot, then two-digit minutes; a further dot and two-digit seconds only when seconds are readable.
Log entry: 2.08
